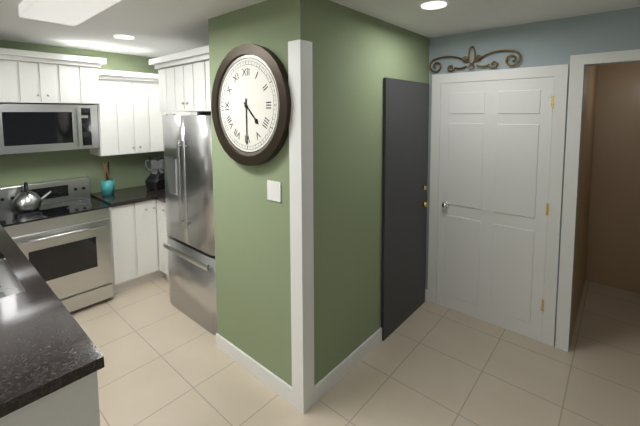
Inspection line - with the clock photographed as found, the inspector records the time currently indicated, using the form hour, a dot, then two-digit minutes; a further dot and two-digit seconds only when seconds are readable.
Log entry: 4.30
